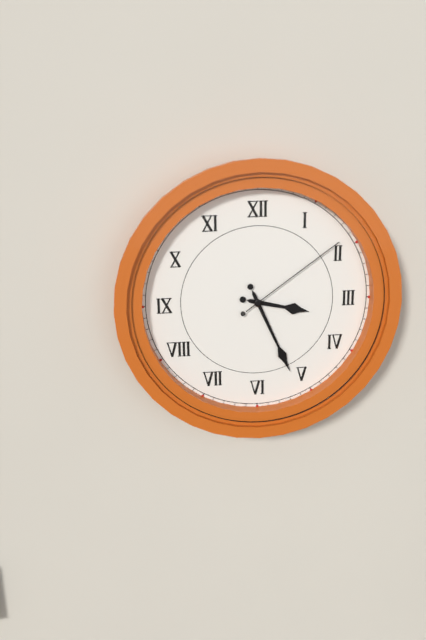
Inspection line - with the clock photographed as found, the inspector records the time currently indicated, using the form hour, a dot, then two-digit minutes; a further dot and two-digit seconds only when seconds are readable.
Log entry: 3.26.09
